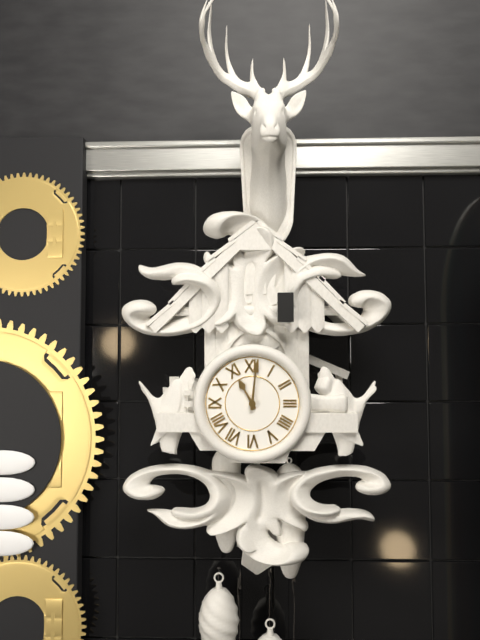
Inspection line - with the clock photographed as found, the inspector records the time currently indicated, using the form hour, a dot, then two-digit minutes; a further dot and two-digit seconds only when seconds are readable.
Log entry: 11.01
